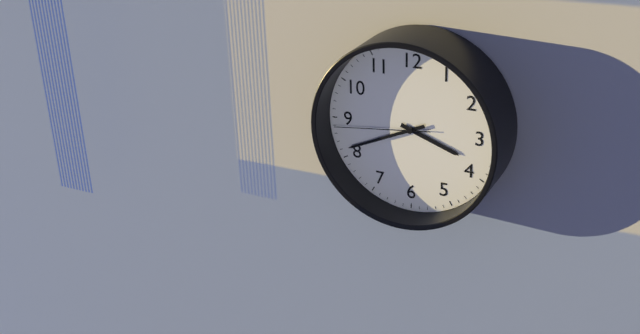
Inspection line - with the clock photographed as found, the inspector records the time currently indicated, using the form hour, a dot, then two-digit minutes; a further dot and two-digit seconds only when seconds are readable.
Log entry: 3.41.44
